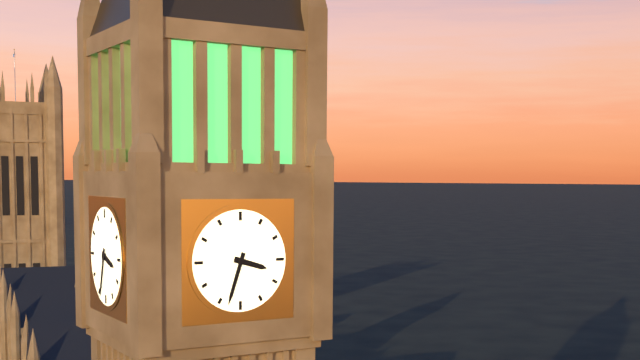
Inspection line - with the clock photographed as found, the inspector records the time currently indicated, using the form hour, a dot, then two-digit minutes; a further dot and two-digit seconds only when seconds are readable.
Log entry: 3.33
